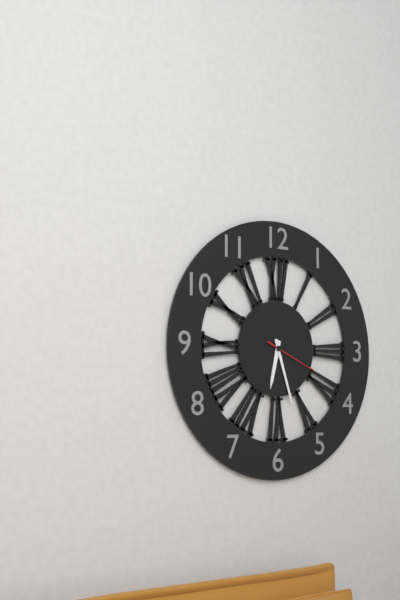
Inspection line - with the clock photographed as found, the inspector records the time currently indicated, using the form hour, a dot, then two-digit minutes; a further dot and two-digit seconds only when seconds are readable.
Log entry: 6.27.19
